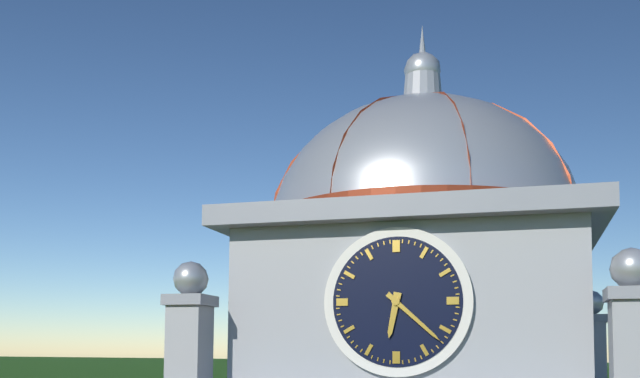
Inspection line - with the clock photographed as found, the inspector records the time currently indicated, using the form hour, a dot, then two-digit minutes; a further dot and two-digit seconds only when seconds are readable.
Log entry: 6.22
